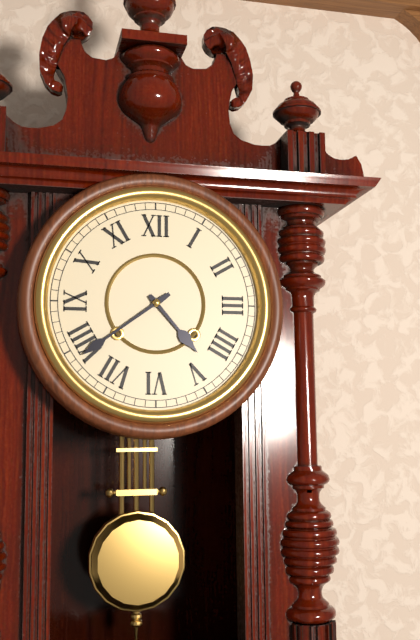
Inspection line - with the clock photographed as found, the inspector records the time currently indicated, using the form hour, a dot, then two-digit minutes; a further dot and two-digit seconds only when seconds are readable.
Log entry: 4.39
